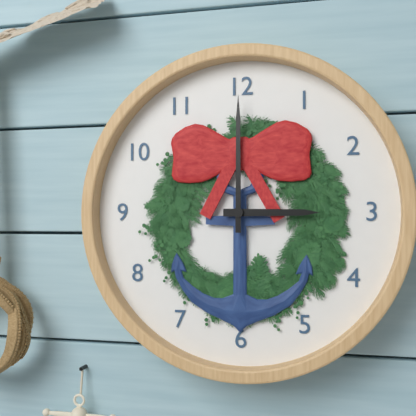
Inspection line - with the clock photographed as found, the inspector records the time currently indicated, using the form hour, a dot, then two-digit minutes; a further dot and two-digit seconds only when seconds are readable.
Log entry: 3.00
